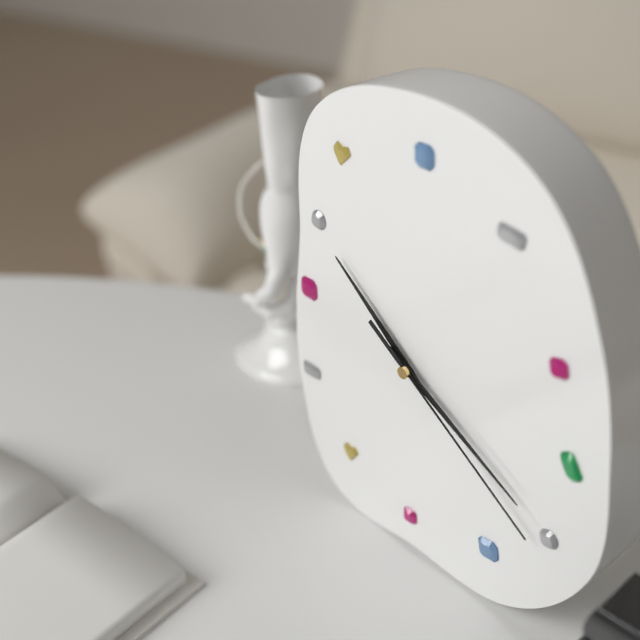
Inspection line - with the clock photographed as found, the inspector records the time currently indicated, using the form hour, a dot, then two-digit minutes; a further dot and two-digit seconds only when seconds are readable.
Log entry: 10.20.21
